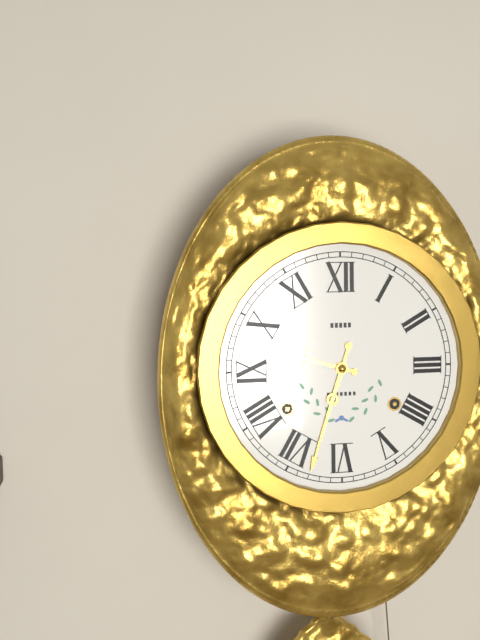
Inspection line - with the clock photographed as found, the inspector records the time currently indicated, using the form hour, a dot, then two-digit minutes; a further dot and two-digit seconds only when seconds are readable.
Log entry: 9.33
